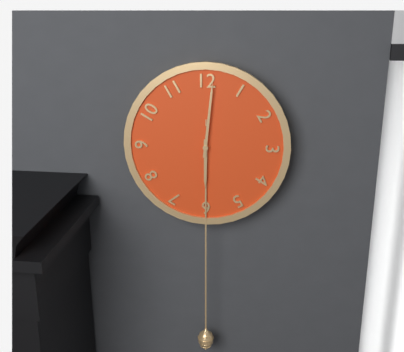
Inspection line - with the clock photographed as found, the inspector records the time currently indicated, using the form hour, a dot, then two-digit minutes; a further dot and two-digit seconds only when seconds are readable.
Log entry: 6.01
